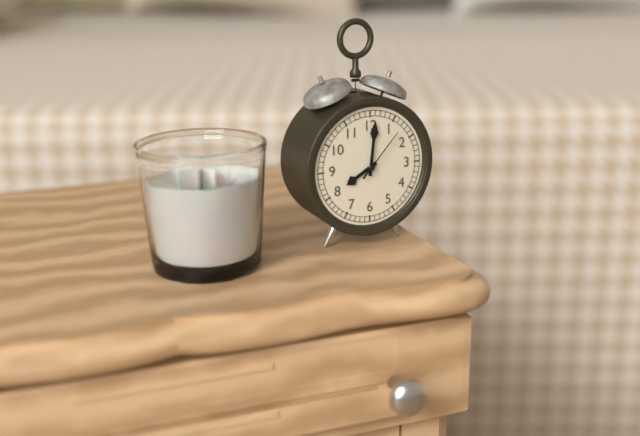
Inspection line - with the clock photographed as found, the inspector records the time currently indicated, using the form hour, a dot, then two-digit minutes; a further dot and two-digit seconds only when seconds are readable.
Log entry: 8.01.07
